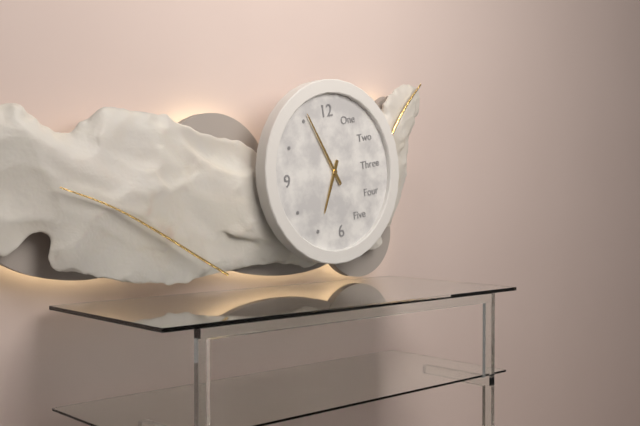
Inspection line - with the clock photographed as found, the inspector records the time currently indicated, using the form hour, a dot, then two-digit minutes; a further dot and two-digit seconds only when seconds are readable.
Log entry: 6.56
